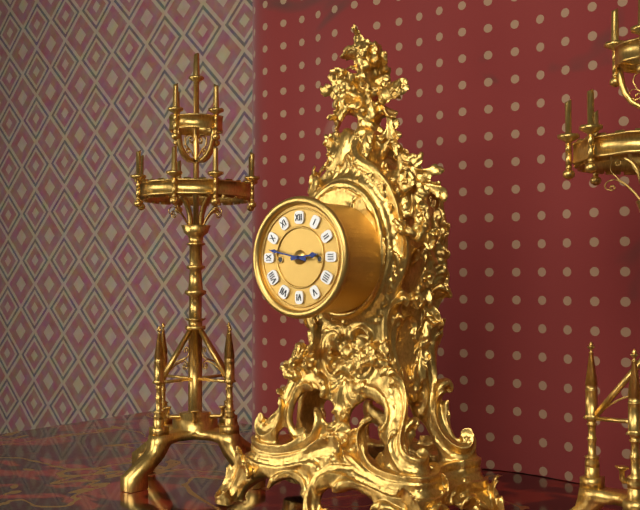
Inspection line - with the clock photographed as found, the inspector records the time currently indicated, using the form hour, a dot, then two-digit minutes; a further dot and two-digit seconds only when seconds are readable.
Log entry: 2.47
